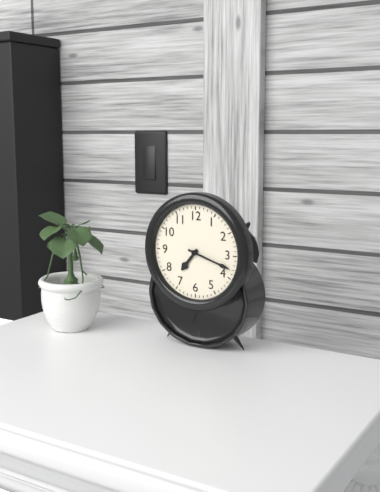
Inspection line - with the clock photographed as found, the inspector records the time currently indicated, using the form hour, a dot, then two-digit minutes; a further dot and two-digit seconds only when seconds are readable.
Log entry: 7.18
